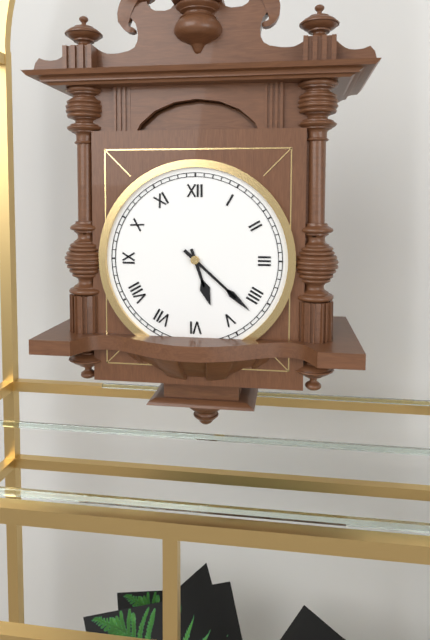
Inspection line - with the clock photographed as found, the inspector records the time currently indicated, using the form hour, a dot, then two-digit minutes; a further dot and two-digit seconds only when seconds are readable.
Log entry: 5.22
